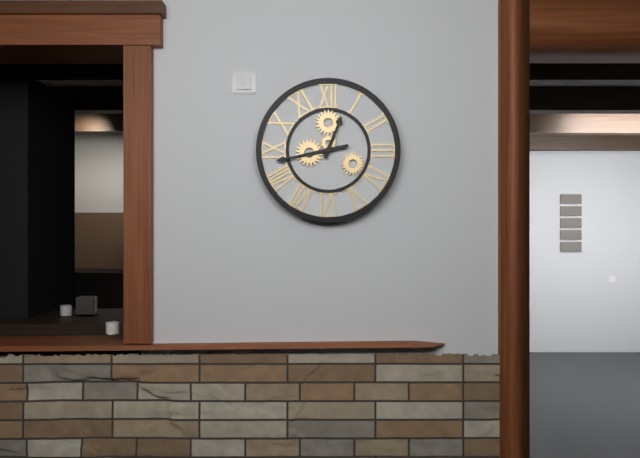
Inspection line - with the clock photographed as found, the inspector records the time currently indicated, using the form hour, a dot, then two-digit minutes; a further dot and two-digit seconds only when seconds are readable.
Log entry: 12.43
